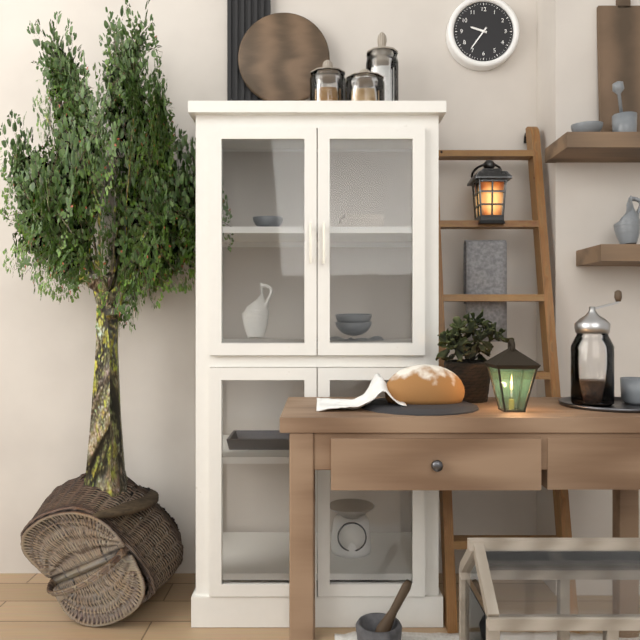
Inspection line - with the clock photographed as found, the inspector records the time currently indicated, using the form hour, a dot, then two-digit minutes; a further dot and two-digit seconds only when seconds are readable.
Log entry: 9.36
